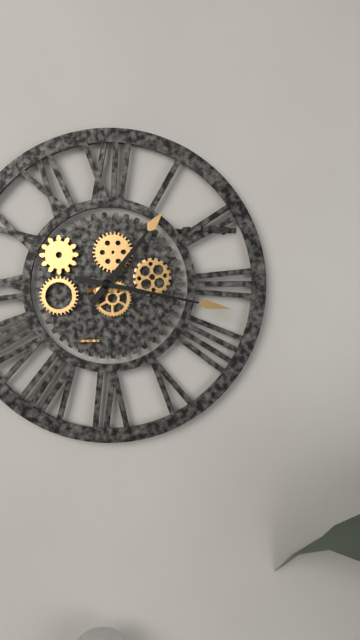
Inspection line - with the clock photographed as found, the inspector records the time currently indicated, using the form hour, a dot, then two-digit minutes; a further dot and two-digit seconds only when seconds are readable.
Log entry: 1.17
